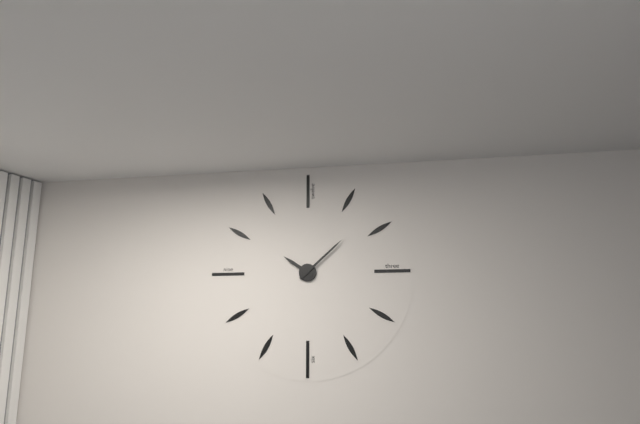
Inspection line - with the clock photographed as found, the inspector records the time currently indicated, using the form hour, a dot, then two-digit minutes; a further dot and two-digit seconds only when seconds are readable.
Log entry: 10.08
